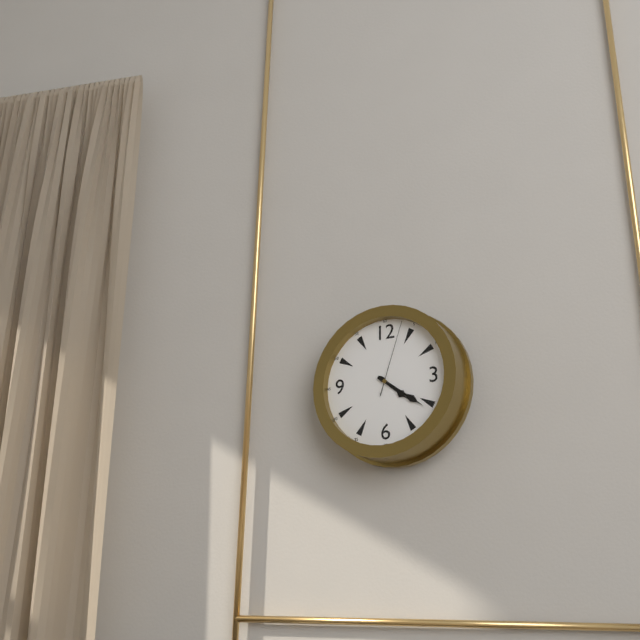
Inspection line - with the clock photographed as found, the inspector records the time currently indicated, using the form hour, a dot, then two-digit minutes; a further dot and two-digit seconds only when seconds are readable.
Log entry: 4.21.03
